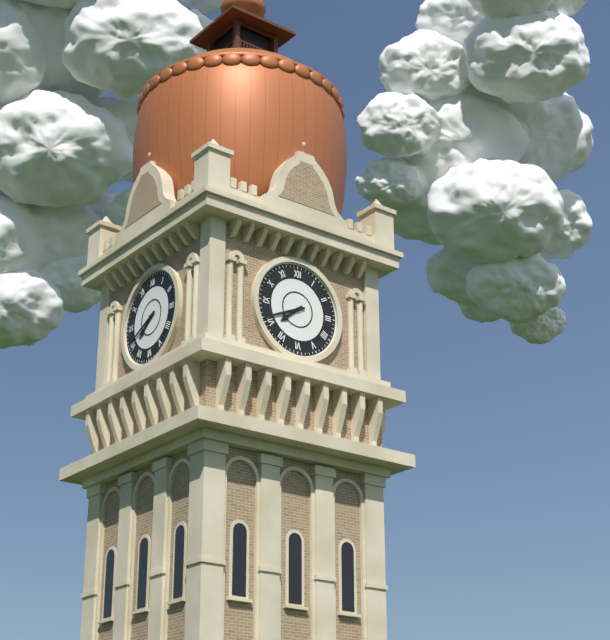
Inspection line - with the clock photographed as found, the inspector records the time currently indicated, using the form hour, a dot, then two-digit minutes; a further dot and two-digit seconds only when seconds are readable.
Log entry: 7.41
